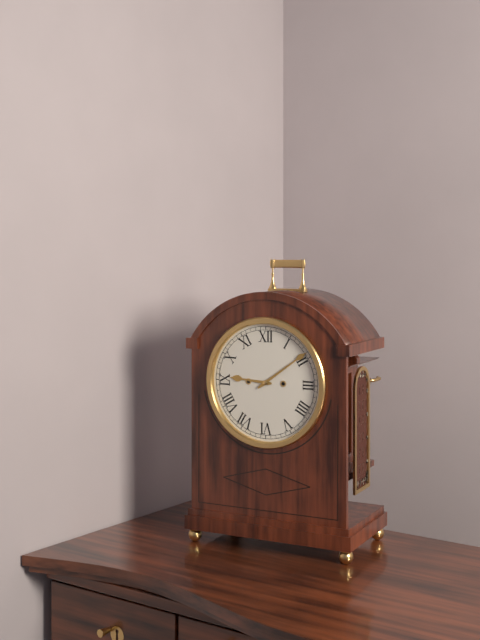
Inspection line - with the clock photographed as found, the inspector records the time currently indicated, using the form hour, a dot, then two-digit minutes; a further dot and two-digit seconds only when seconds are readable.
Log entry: 9.09
